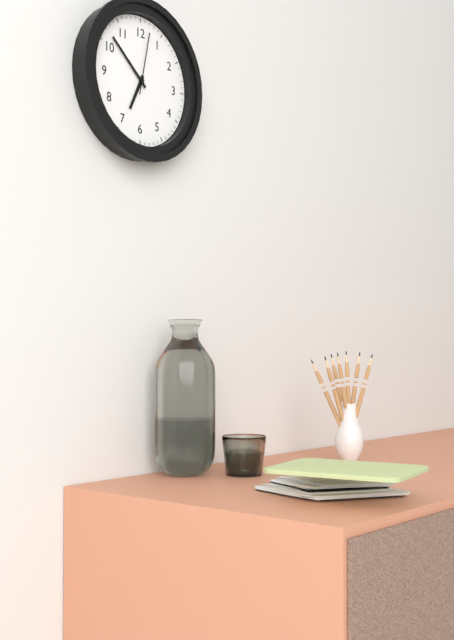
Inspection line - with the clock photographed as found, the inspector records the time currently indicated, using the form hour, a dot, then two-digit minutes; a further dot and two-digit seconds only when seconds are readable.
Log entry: 6.52.02
